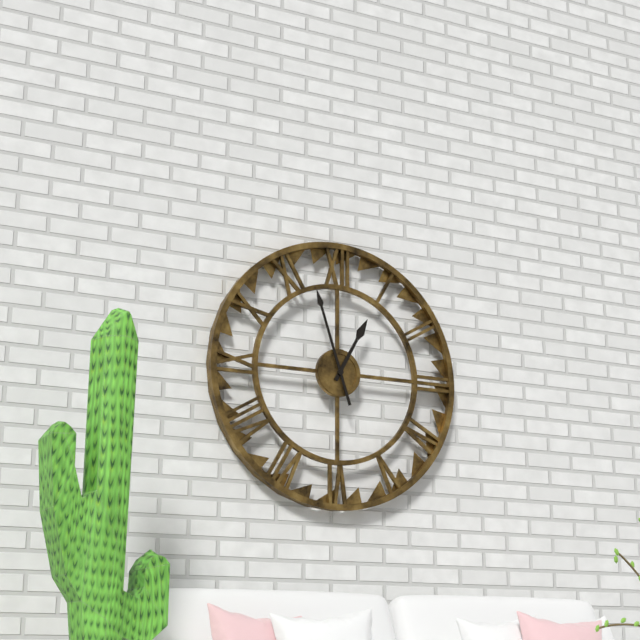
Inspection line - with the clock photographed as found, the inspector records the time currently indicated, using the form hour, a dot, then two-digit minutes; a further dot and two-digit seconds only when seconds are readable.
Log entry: 12.57
